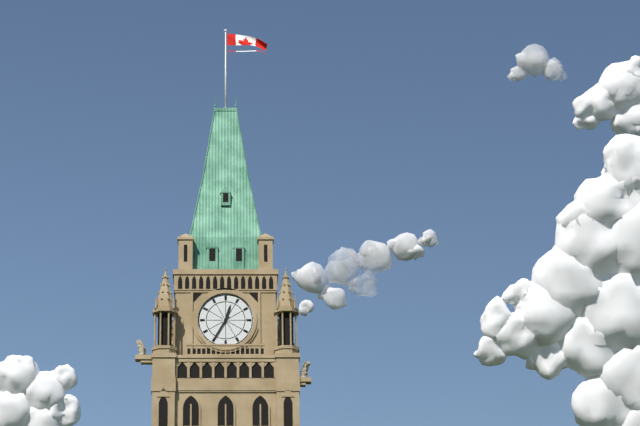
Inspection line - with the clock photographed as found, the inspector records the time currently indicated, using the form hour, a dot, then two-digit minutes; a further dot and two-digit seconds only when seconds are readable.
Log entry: 12.35
